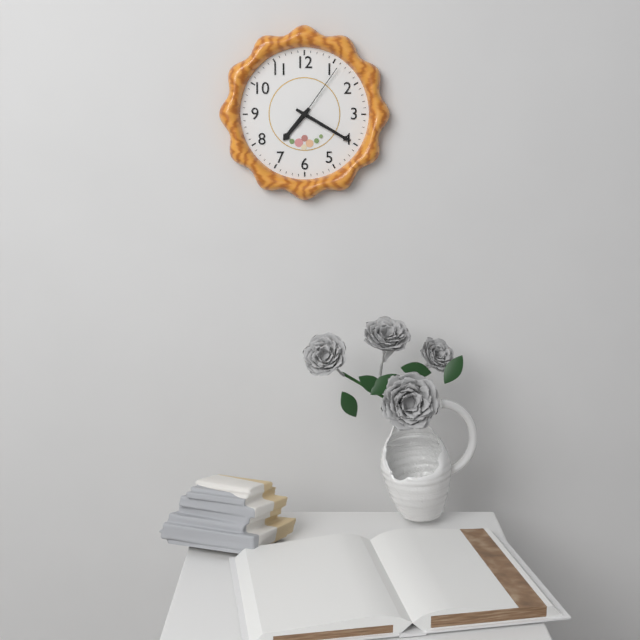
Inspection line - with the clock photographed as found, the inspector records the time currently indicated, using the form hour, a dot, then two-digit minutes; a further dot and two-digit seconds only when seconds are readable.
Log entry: 7.20.06
